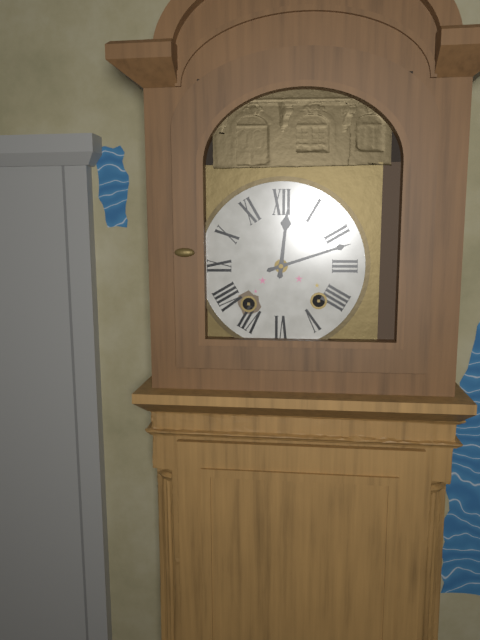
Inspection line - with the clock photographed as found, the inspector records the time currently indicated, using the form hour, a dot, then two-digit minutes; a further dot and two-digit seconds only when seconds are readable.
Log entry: 12.12
